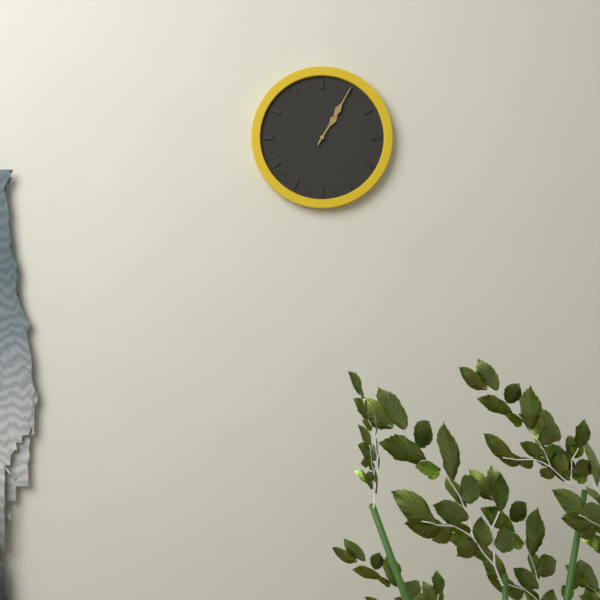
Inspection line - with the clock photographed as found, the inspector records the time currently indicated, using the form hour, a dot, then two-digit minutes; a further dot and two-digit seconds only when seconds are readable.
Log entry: 1.05
